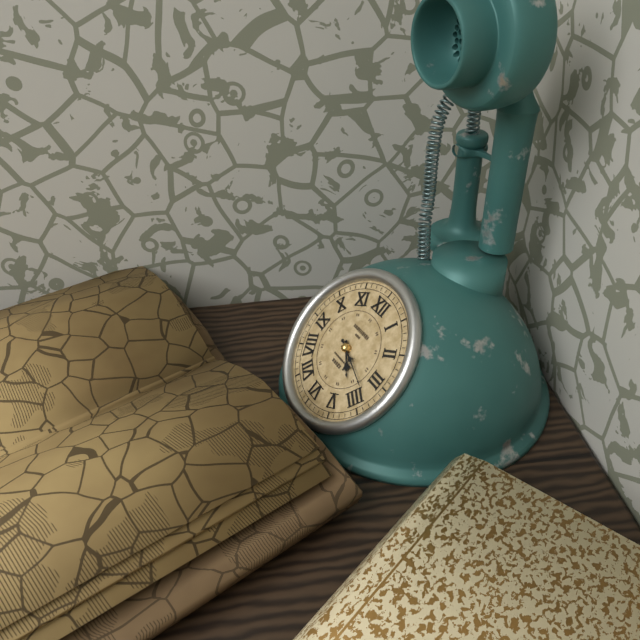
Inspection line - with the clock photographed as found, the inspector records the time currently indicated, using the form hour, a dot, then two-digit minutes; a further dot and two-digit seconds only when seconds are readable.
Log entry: 4.18
